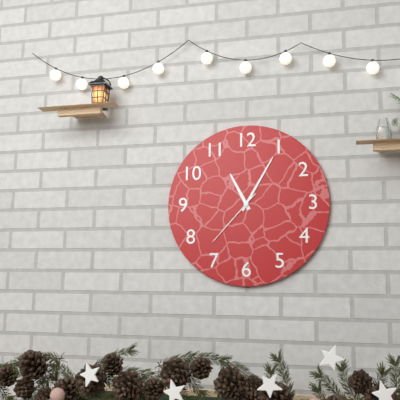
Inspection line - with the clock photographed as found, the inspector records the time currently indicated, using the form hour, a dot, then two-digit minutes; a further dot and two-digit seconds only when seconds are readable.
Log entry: 11.05.37
